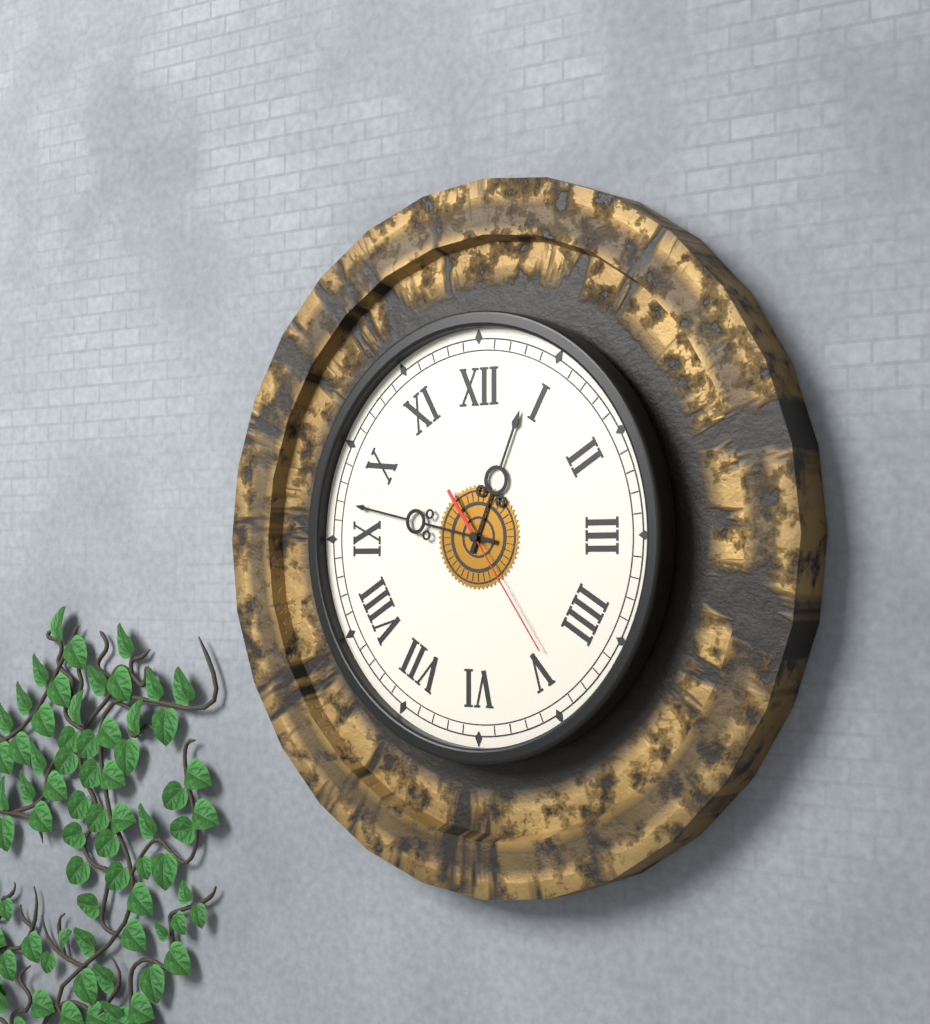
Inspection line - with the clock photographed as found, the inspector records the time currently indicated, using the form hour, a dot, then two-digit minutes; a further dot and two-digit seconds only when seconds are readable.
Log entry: 12.47.24
